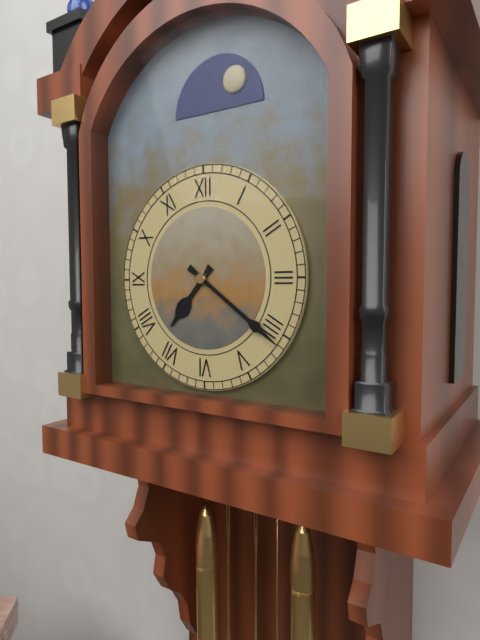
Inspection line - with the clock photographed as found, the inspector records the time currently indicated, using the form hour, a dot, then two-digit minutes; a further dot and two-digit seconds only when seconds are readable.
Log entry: 7.21
